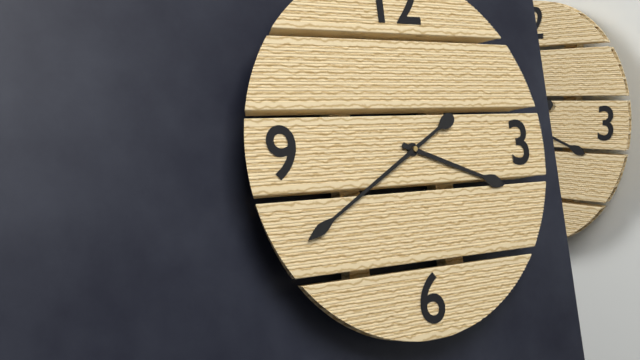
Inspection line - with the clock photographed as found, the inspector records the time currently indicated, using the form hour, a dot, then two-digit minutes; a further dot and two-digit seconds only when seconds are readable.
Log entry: 3.40
